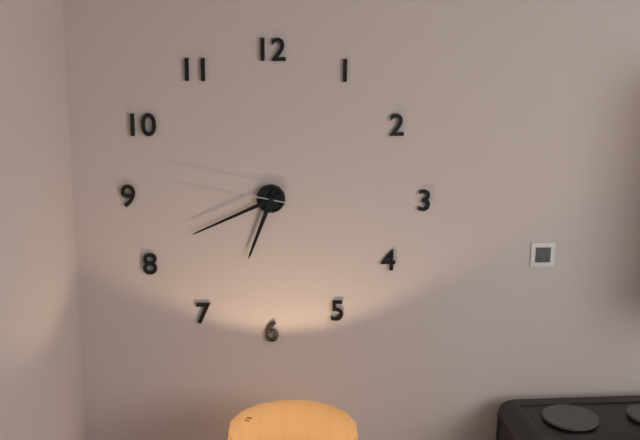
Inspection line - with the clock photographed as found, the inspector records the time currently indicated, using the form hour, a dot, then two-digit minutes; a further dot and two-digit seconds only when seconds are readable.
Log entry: 6.41.47
